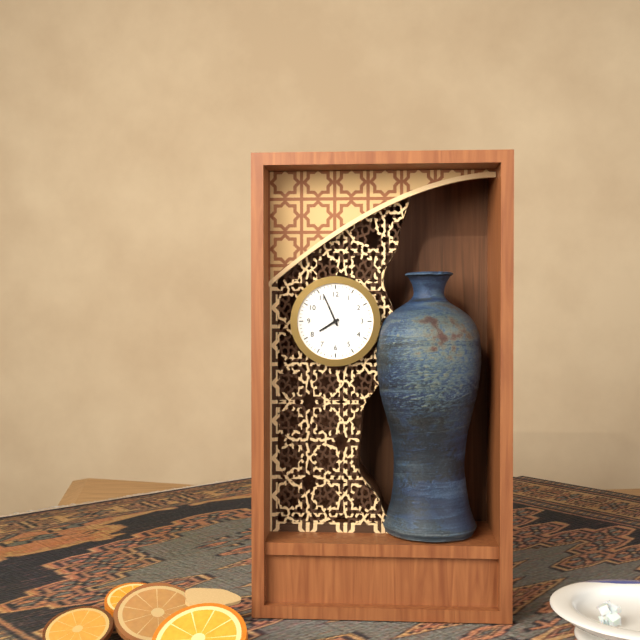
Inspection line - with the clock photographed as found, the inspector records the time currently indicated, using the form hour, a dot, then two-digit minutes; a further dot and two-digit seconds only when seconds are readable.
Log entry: 7.56
